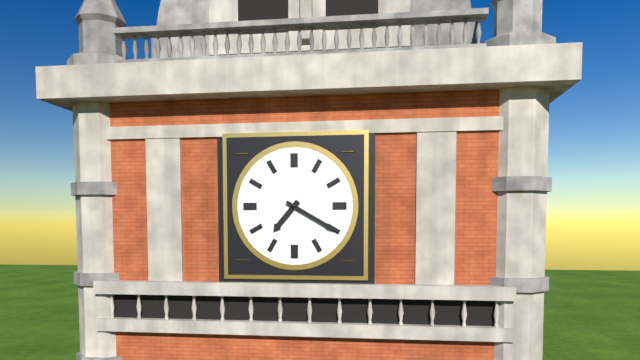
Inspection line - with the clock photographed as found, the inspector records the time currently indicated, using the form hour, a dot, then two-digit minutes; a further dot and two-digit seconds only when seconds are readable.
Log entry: 7.20
